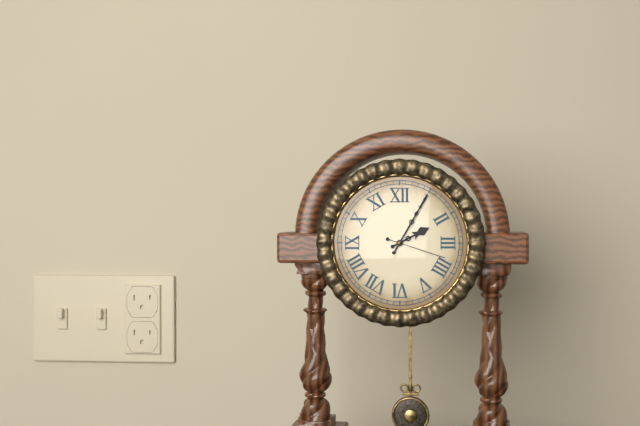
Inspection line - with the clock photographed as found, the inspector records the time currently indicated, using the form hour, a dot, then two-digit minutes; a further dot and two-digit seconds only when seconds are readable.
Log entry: 2.05.18
